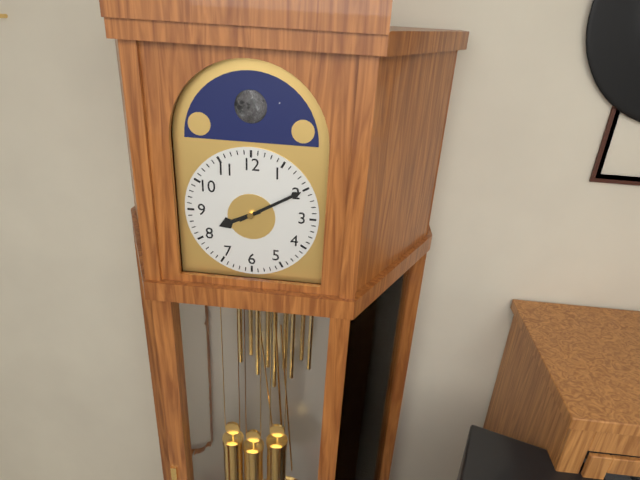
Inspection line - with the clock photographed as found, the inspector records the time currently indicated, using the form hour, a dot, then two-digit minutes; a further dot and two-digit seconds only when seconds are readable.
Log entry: 8.10
